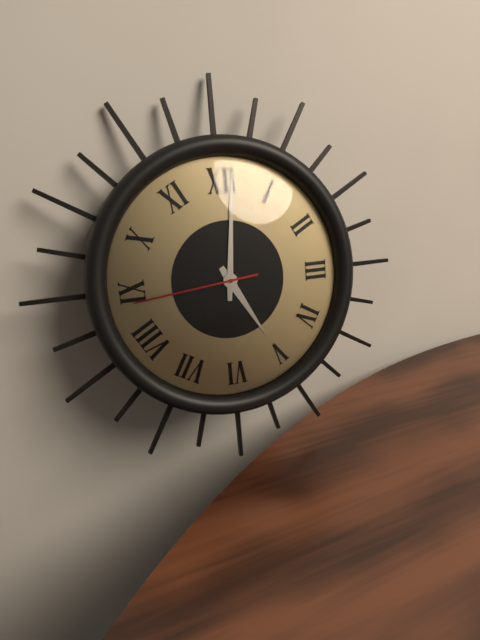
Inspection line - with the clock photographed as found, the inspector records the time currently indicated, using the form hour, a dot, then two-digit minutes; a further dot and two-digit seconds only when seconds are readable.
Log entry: 5.01.44
